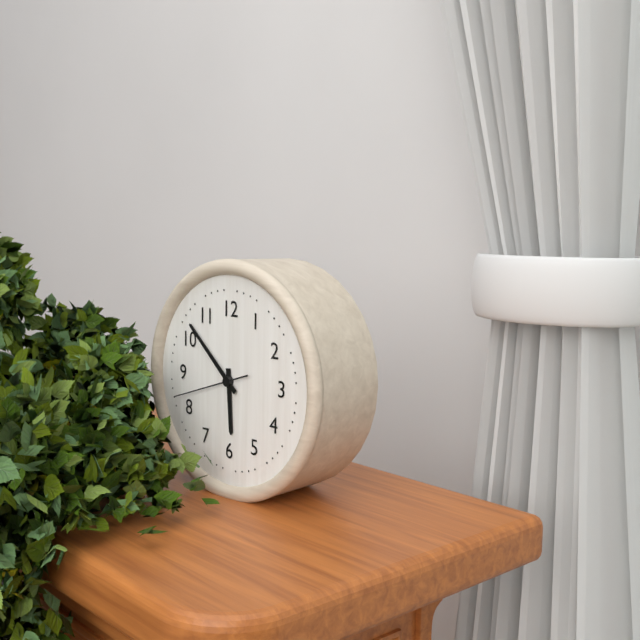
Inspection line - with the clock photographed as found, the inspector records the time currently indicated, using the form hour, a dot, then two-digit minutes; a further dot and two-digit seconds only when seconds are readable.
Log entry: 5.52.42
